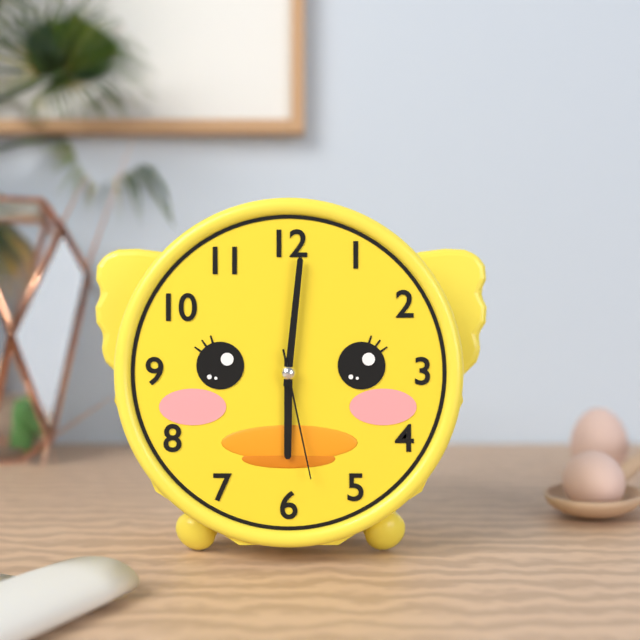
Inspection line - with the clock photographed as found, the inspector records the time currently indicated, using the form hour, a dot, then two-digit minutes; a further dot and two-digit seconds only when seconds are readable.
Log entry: 6.01.28
